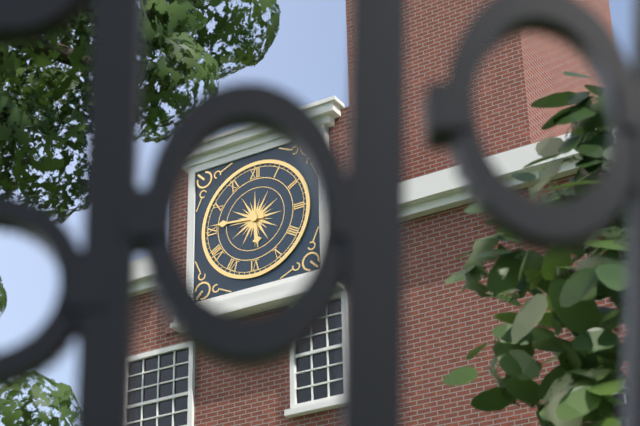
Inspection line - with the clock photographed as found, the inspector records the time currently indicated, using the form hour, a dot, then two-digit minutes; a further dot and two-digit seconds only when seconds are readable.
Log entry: 5.46
